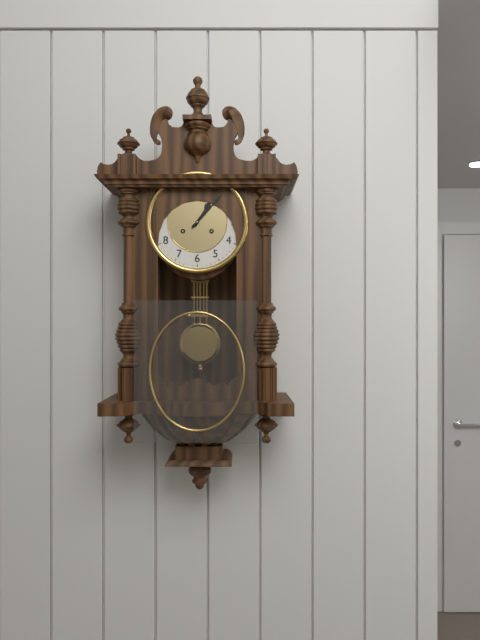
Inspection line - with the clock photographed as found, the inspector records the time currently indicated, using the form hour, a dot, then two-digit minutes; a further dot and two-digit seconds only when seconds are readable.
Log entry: 1.07
